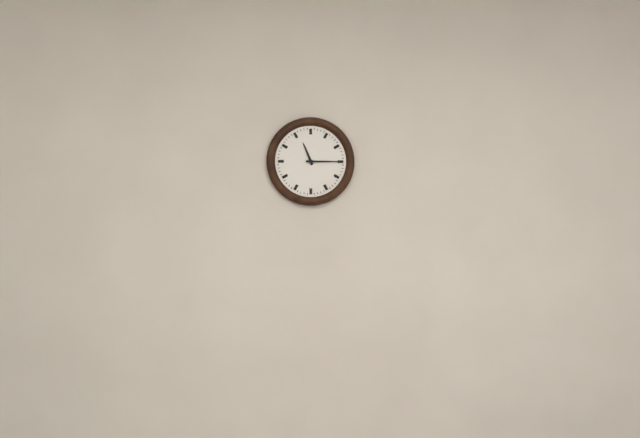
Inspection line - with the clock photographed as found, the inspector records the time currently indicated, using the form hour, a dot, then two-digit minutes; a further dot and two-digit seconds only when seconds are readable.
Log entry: 11.15
